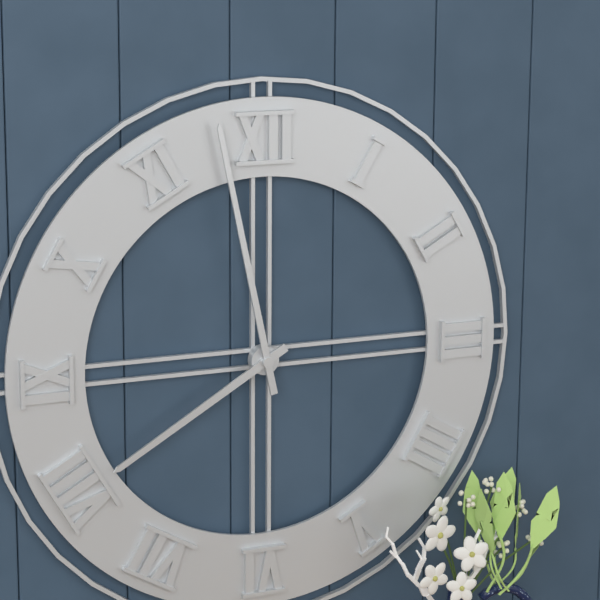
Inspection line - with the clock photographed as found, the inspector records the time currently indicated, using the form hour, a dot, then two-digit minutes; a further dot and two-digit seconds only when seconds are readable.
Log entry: 7.58
